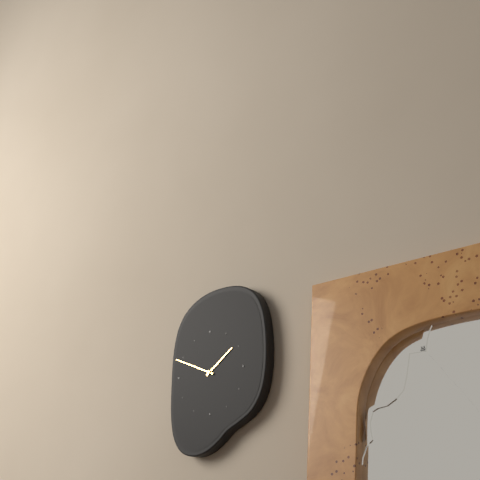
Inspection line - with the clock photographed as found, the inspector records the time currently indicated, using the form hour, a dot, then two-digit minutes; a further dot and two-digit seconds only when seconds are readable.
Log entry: 1.49
